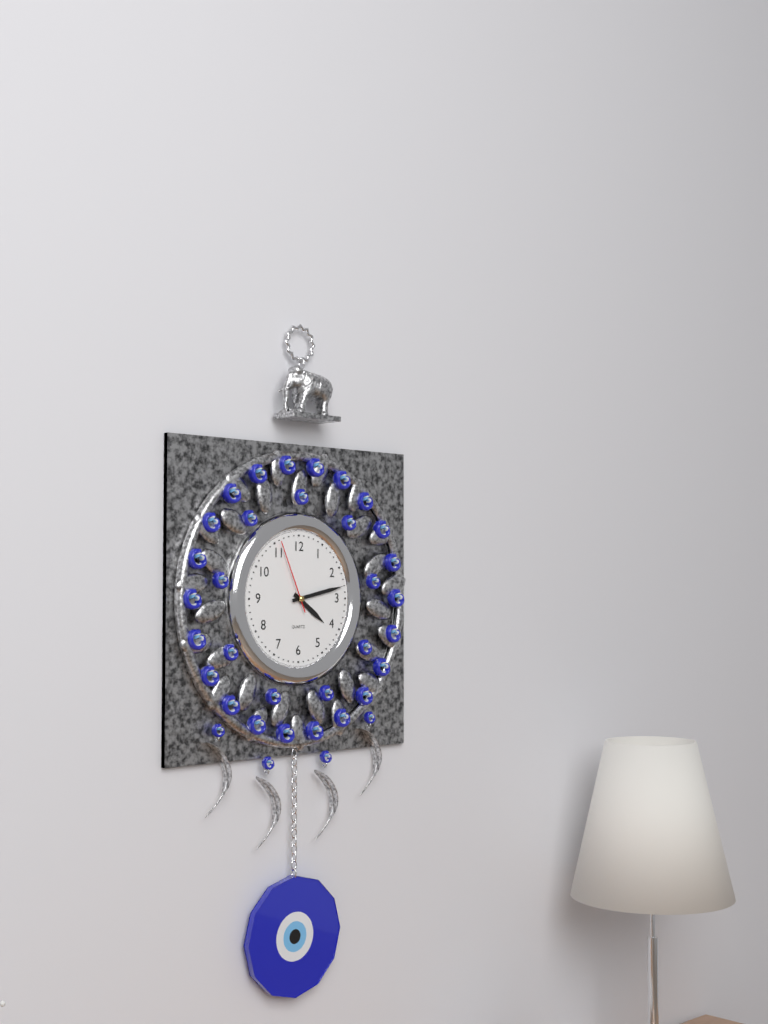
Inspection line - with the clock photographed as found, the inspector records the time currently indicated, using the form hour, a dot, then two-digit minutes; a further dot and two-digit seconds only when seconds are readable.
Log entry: 4.13.56
